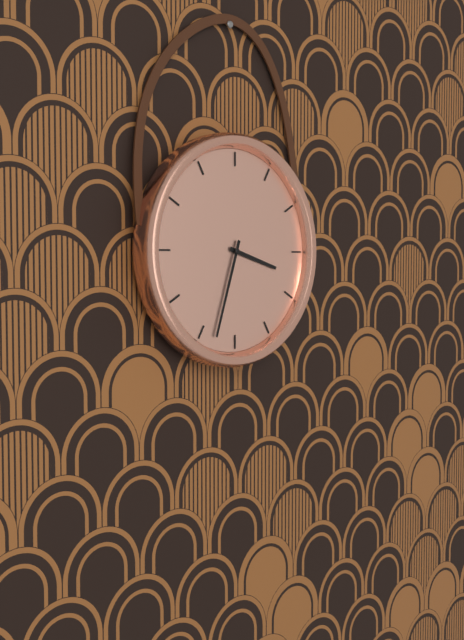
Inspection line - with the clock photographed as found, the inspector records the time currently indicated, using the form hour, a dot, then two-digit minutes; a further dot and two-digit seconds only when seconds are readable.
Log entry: 3.33
